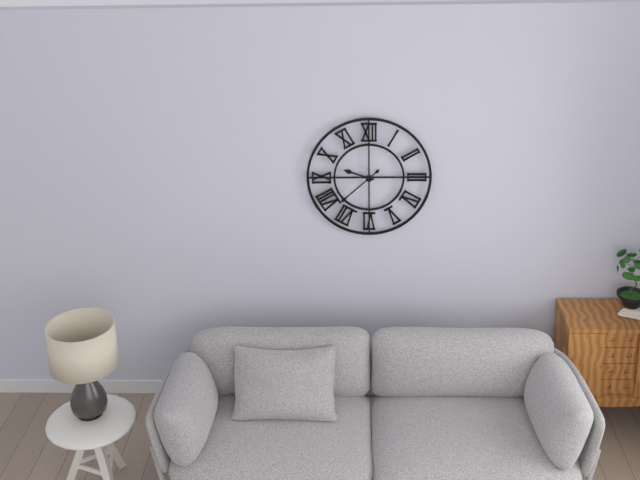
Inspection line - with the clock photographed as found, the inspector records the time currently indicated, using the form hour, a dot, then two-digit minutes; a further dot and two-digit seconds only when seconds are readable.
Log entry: 9.38
